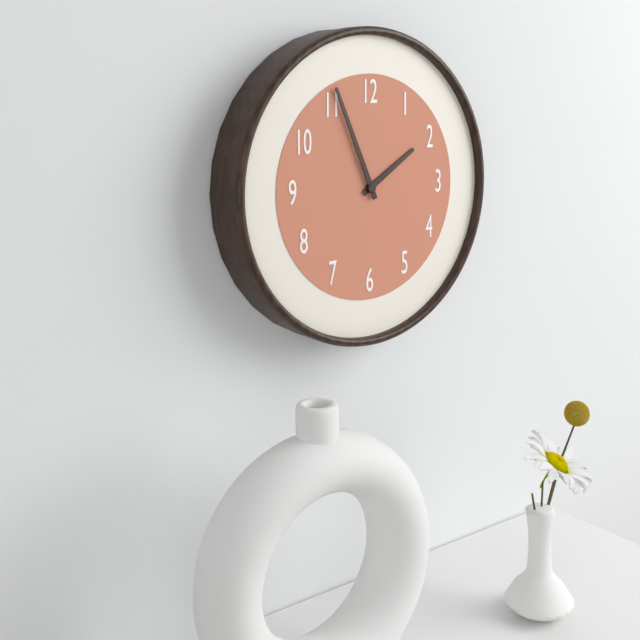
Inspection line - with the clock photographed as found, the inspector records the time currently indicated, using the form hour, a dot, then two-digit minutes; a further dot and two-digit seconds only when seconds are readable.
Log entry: 1.56
